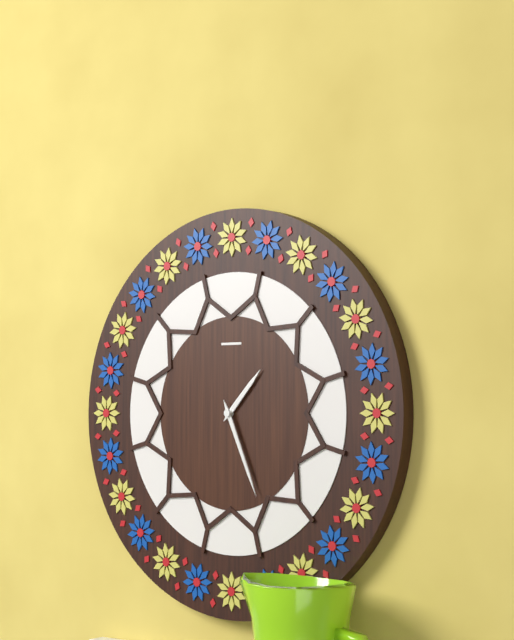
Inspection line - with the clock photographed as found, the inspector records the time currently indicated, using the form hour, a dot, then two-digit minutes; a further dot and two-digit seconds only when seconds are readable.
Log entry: 1.26
